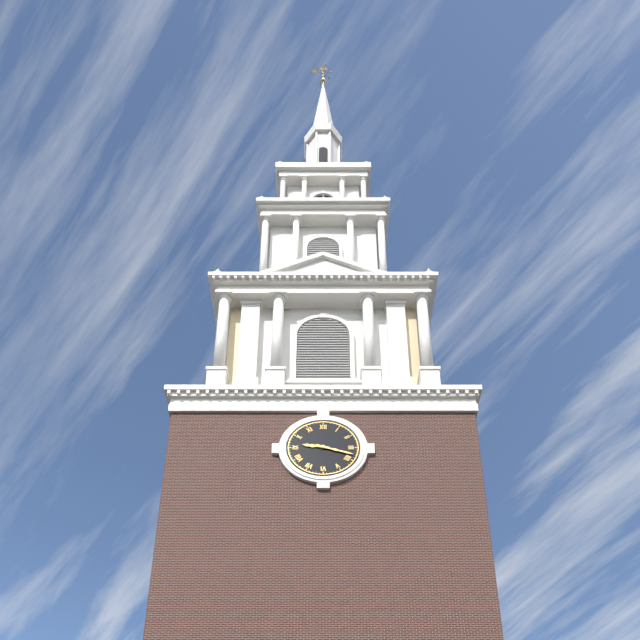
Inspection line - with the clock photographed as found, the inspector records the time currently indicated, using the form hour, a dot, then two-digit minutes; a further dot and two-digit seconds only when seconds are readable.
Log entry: 9.18
